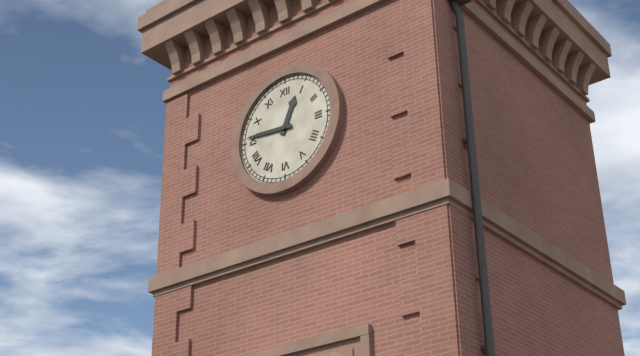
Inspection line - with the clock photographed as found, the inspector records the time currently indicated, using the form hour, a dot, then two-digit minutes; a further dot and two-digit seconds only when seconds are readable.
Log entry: 12.46
